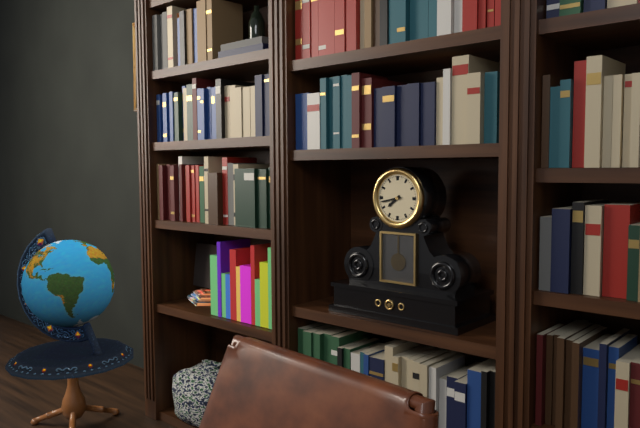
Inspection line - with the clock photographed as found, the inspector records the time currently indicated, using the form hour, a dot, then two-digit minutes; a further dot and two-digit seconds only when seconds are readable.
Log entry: 7.43
